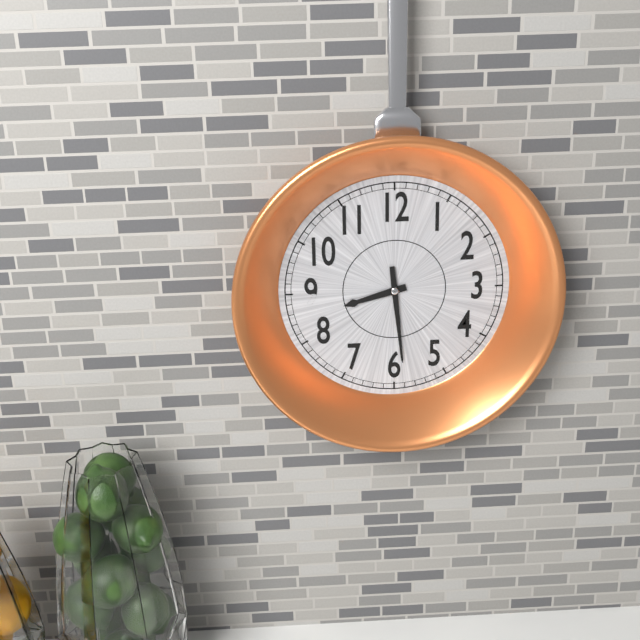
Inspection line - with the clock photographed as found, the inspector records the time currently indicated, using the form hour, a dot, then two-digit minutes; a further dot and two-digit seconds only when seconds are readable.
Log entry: 8.29
